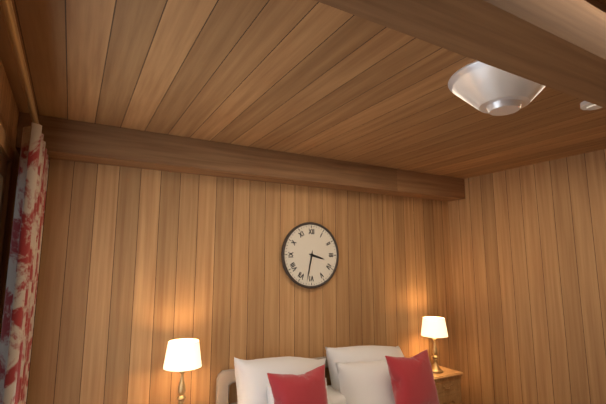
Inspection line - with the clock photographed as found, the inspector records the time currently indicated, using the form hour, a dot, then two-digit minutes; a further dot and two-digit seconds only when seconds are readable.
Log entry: 3.32
